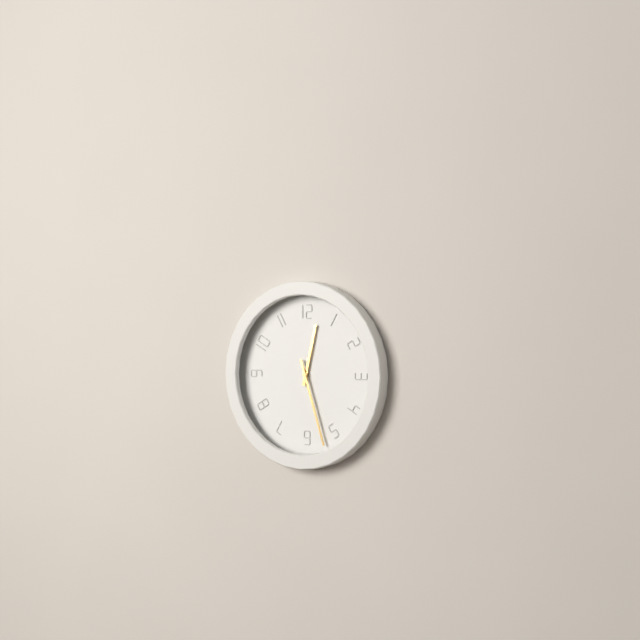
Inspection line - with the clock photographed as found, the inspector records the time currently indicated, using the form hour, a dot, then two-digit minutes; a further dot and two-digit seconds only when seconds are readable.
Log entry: 12.27
